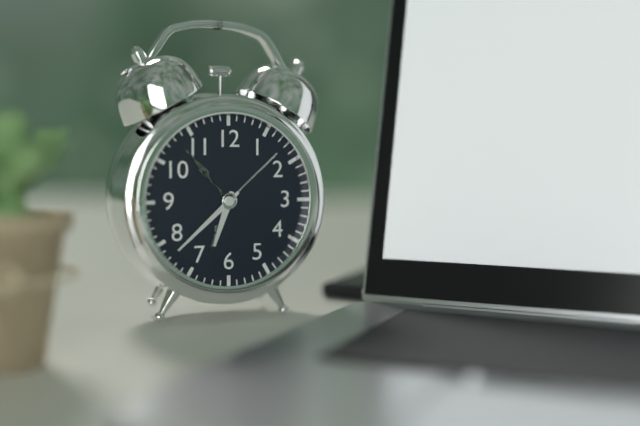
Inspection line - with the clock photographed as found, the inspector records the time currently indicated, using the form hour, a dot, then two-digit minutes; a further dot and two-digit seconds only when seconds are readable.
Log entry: 6.38
